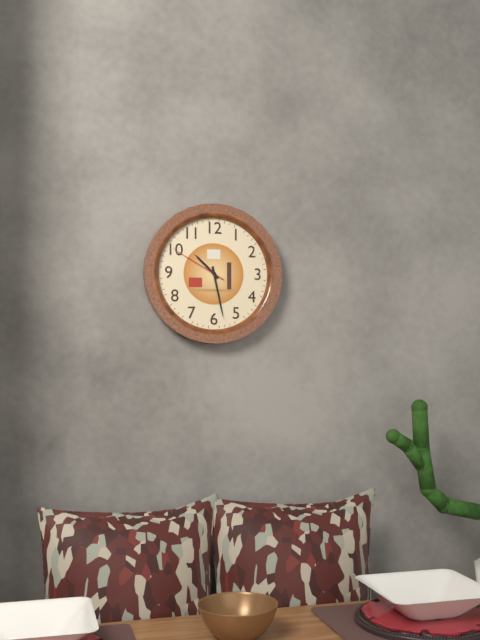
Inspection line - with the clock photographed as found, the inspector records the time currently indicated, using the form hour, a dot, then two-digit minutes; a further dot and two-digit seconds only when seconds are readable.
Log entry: 10.28.50
